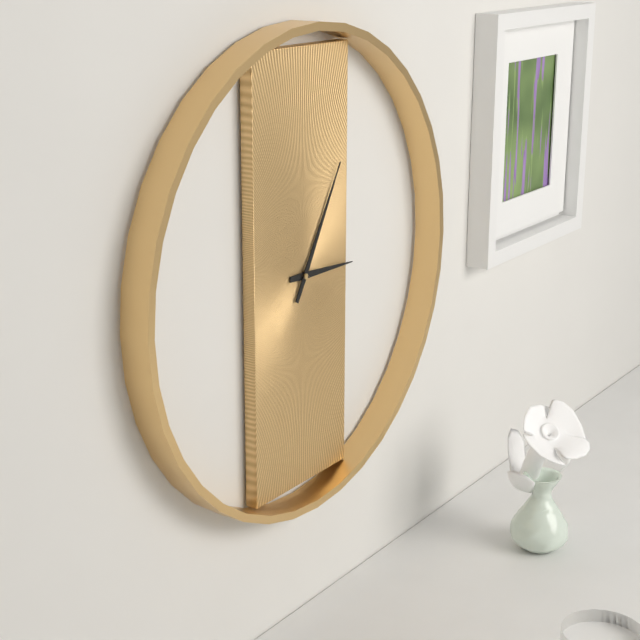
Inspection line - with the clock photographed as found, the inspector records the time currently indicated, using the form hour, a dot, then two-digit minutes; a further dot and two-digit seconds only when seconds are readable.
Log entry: 3.05
